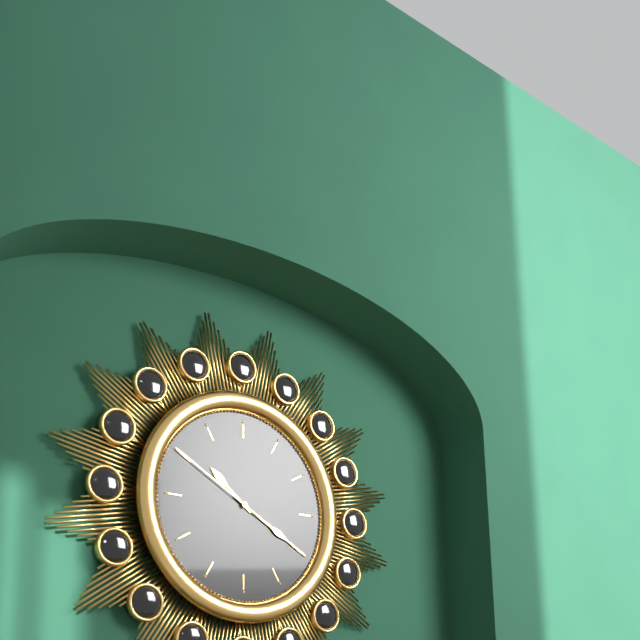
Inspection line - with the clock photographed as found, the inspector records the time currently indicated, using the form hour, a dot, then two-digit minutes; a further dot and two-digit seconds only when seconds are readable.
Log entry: 10.20.50
